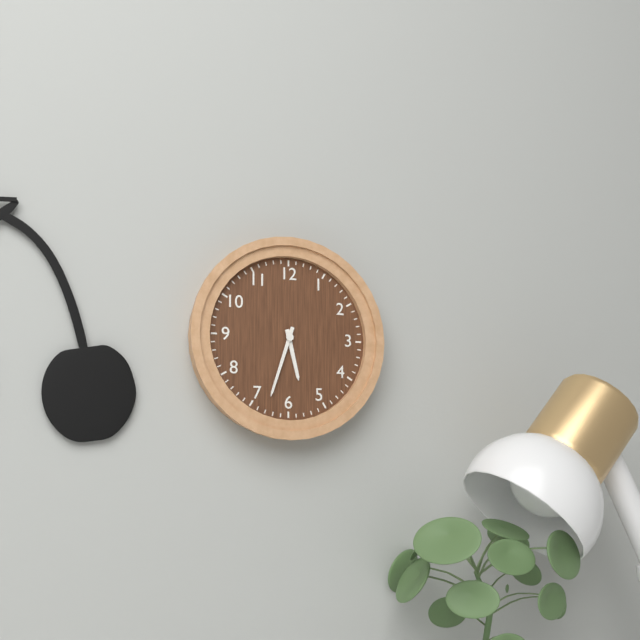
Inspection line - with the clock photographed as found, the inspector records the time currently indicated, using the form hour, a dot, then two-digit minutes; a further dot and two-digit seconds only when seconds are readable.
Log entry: 5.33
